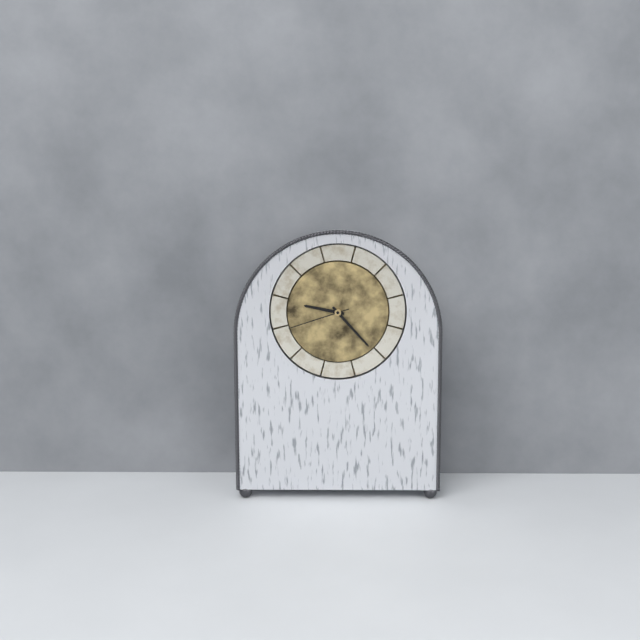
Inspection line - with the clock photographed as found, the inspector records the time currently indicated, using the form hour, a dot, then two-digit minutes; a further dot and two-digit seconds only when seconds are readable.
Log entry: 9.23.42
